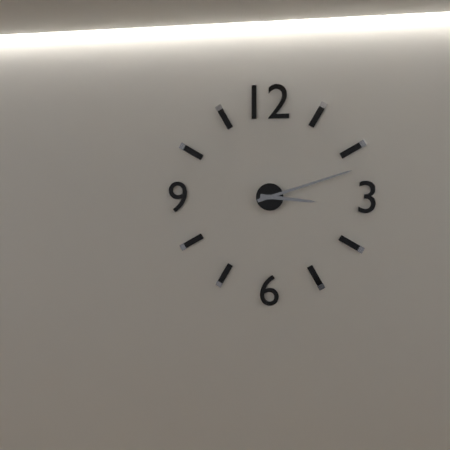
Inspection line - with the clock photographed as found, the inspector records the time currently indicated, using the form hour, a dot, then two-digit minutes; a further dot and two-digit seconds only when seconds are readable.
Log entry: 3.12
